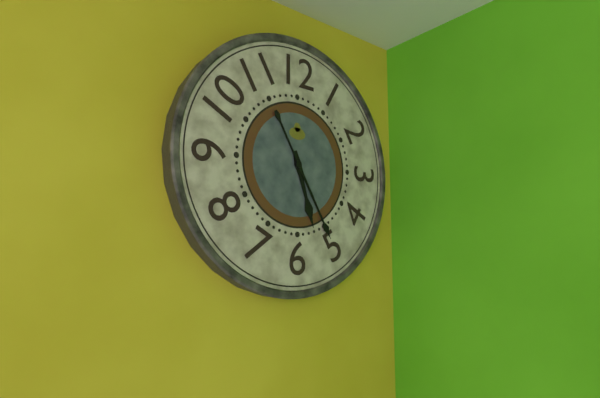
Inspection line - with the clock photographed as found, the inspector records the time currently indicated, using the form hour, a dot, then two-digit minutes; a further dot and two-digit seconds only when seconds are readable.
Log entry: 5.25
